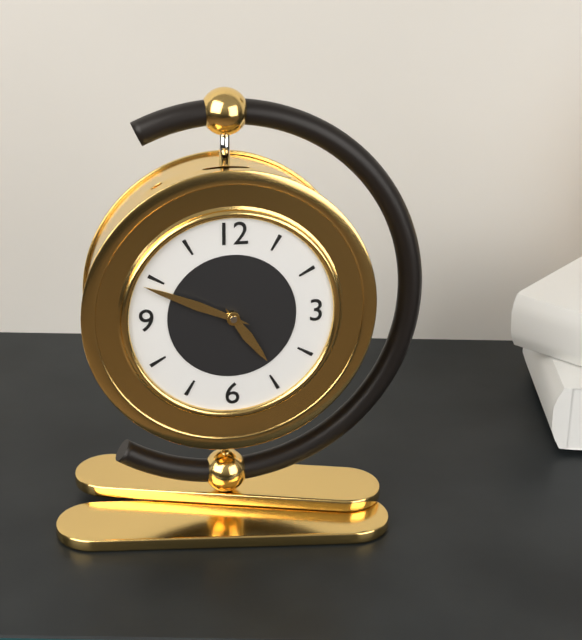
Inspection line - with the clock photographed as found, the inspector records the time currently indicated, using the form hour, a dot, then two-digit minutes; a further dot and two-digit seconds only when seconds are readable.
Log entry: 4.49
